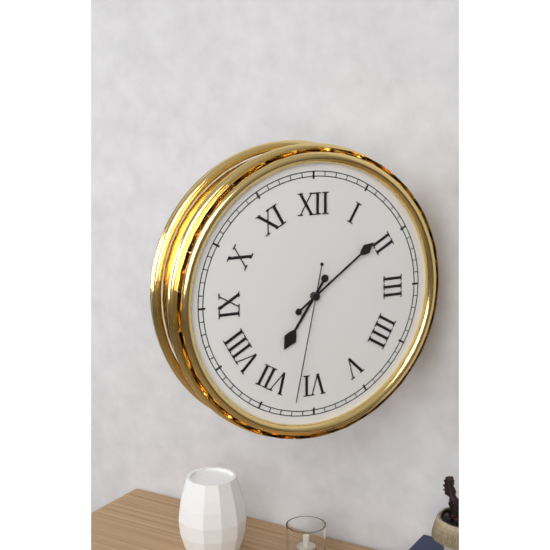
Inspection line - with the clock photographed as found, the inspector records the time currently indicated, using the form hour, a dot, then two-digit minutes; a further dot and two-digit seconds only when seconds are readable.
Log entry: 7.09.32
